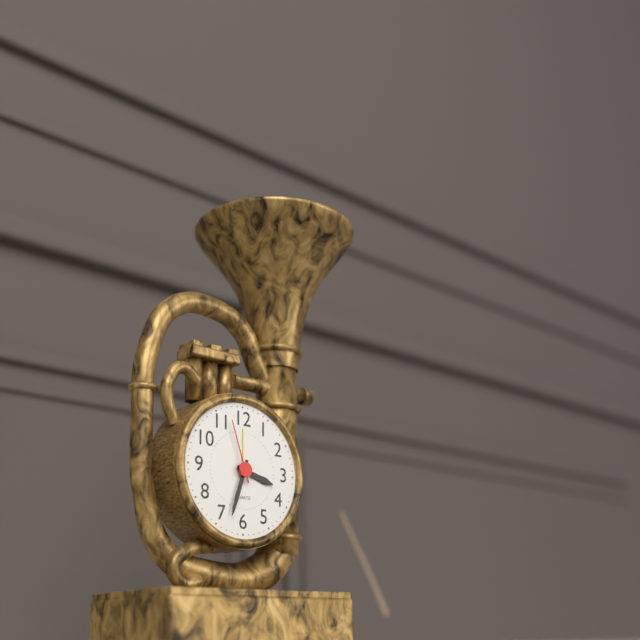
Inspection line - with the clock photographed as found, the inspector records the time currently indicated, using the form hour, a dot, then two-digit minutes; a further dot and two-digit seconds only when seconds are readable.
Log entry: 3.33.57
